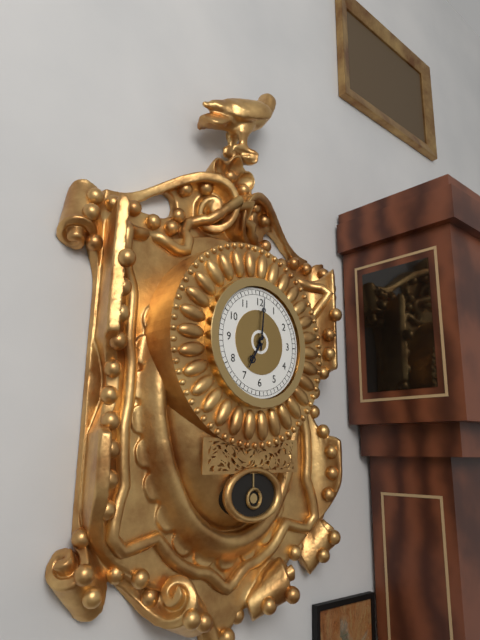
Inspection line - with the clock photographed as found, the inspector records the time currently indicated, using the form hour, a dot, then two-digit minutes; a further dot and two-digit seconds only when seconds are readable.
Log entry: 7.01
